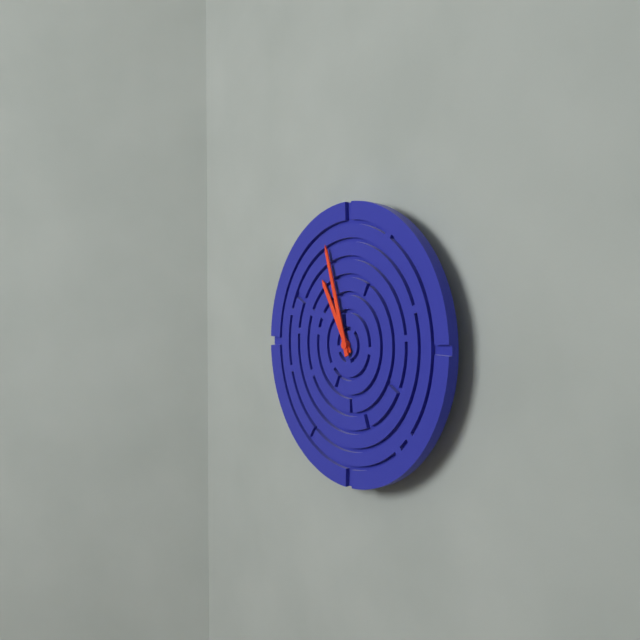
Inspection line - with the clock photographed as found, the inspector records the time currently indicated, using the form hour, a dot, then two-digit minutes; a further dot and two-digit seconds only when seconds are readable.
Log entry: 10.57
